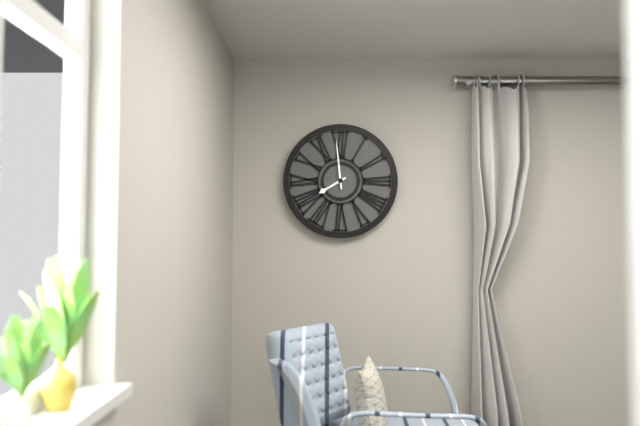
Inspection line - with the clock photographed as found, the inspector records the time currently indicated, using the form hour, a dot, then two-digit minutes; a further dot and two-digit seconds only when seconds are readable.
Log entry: 7.59
